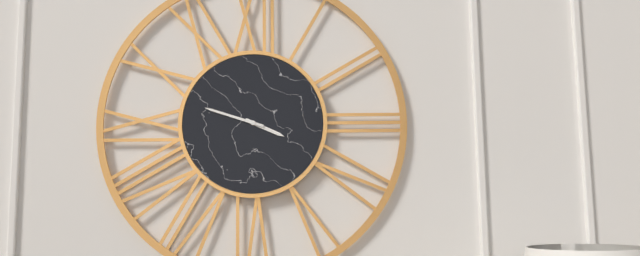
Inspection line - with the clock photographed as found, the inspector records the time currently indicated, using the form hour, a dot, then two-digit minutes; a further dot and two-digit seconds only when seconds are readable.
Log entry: 3.48
